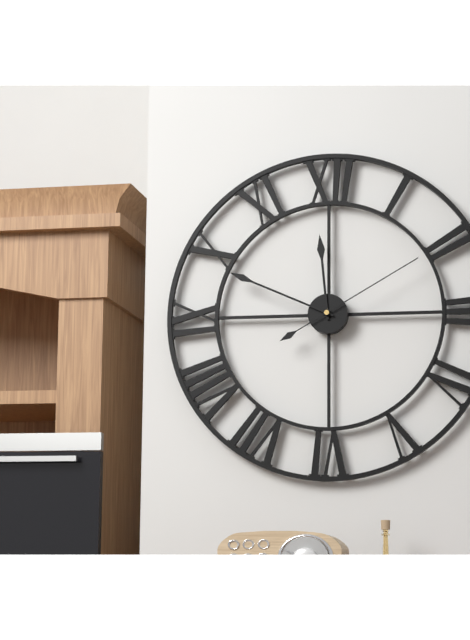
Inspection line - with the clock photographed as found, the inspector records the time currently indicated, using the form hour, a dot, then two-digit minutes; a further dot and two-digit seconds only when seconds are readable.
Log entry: 11.49.10
